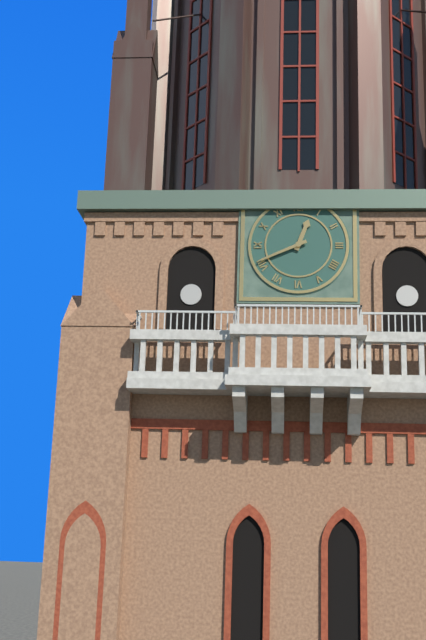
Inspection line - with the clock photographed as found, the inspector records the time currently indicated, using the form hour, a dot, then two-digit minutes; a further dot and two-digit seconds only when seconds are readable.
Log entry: 12.41
